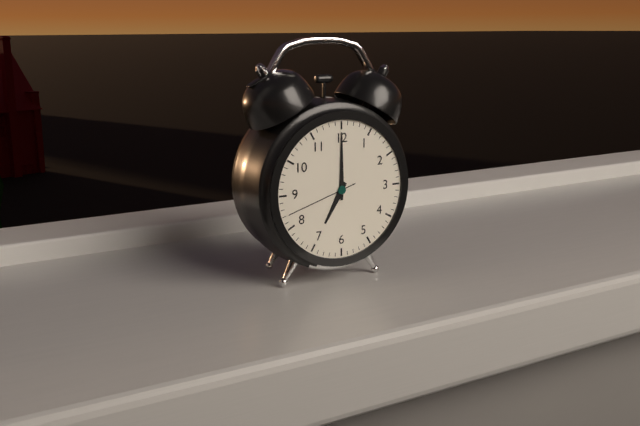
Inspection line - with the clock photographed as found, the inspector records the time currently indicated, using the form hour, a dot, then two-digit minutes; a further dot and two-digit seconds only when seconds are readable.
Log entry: 7.00.42
